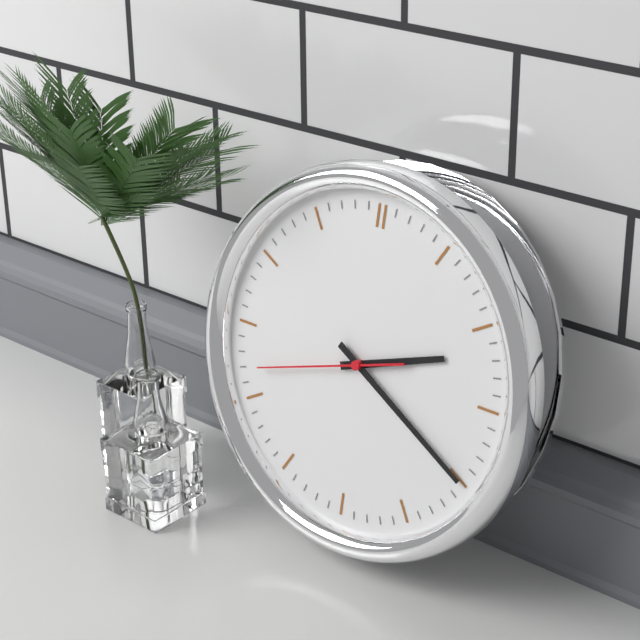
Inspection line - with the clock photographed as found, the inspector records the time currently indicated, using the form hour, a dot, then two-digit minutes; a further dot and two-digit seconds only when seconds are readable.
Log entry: 2.20.42
